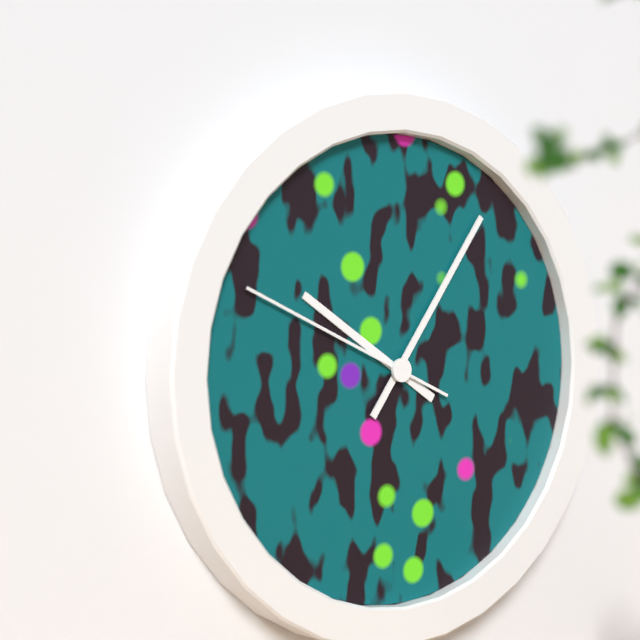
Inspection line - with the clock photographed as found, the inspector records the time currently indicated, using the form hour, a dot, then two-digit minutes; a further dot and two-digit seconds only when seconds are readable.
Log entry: 10.06.49
